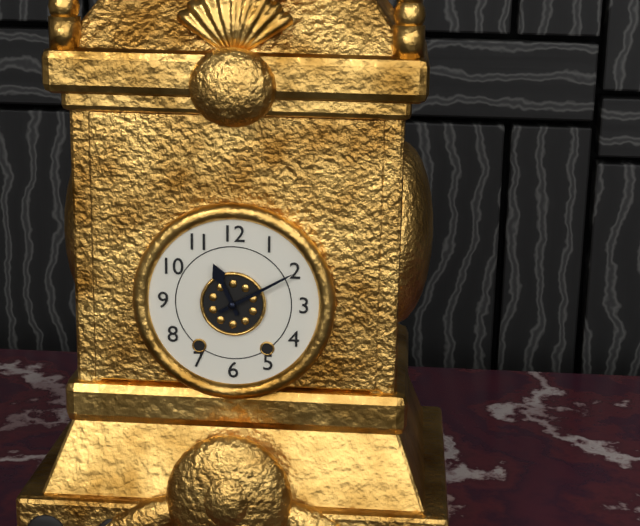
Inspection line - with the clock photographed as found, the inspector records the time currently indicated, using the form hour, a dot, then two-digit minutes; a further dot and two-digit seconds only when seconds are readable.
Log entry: 11.10
